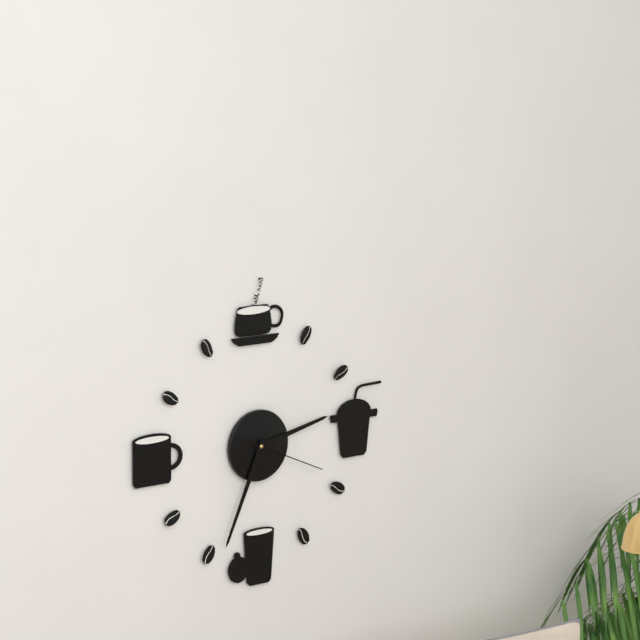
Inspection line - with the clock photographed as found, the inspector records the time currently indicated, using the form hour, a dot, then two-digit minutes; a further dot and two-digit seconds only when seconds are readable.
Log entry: 2.34.19
